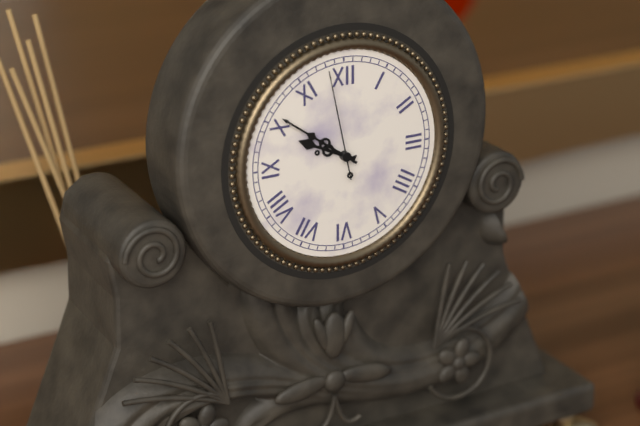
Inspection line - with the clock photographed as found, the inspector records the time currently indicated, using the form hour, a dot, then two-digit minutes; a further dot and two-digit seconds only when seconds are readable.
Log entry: 9.51.58
